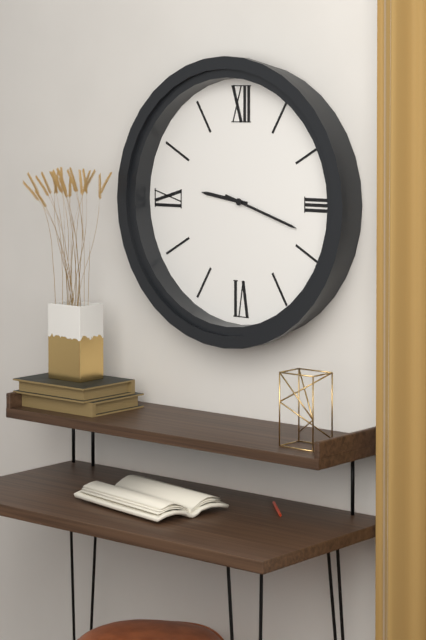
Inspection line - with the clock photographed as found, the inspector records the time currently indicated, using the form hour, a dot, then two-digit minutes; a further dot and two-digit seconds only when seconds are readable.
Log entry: 9.18
